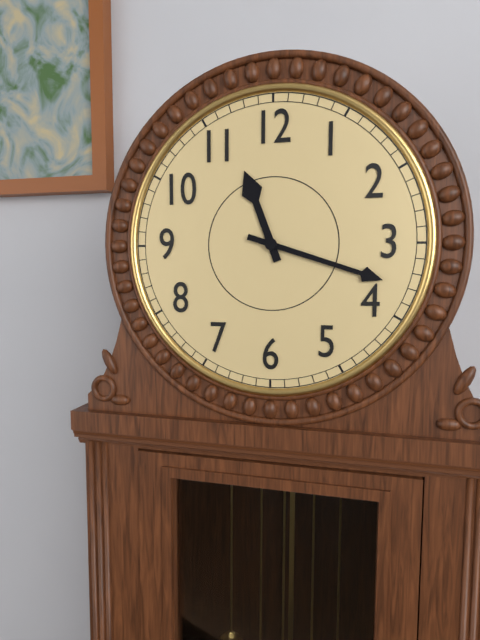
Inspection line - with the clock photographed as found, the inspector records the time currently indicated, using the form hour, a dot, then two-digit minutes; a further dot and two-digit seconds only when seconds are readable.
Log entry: 11.18
